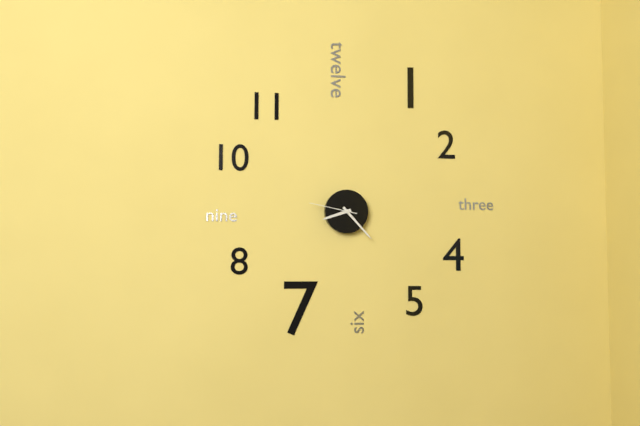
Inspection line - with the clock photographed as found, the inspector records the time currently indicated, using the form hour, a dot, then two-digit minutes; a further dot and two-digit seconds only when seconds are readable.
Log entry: 8.23
